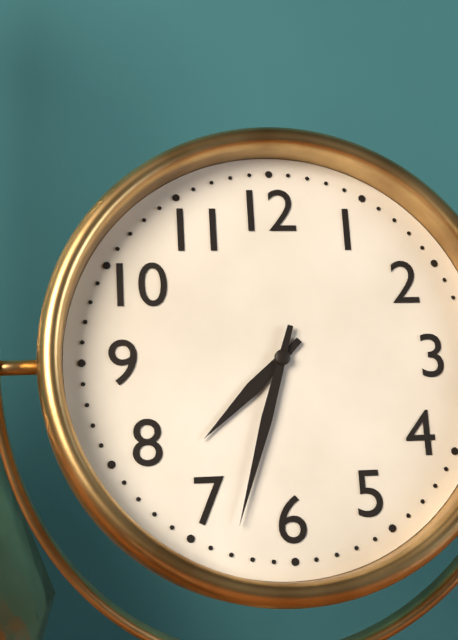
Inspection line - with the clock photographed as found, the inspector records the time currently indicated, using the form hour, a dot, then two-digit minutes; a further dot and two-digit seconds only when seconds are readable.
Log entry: 7.33
